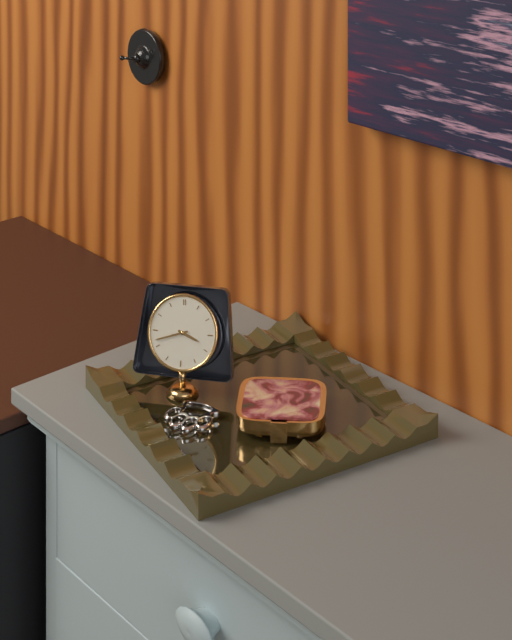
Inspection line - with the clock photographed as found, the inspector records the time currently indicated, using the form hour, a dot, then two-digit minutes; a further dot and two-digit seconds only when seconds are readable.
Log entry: 3.42
